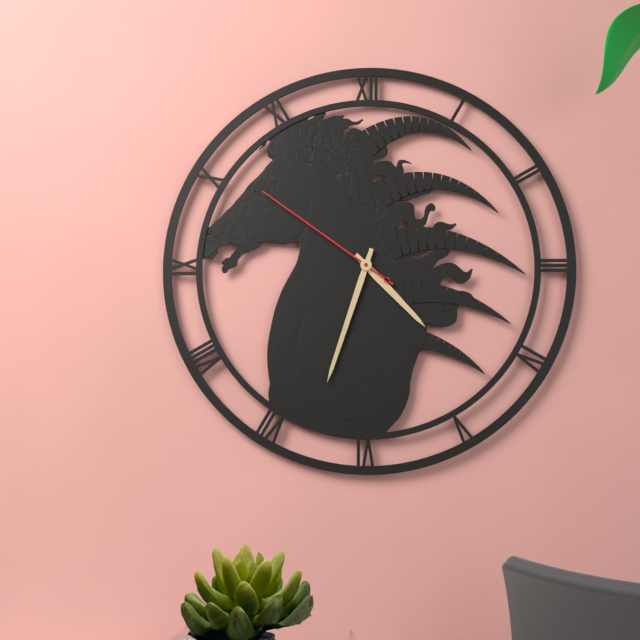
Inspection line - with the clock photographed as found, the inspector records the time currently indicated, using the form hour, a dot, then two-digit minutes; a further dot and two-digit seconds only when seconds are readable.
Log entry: 4.33.51
